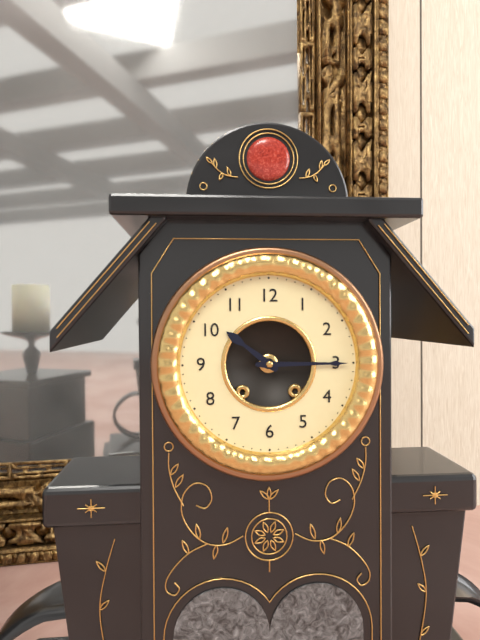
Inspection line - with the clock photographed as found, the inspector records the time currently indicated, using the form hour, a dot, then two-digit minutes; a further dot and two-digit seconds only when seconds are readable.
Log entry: 10.15
